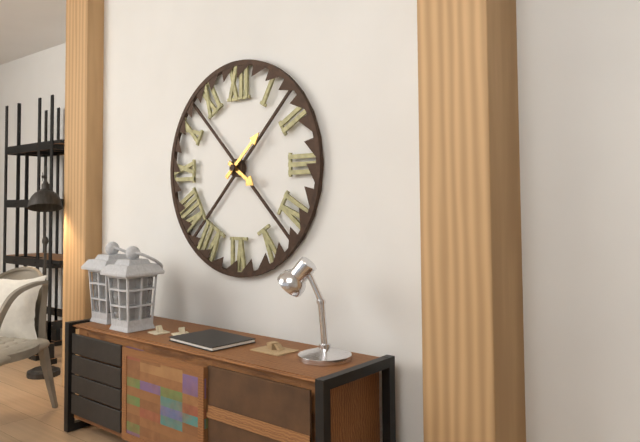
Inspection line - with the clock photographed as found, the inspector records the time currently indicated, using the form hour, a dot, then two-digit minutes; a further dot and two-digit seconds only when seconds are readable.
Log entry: 4.08
